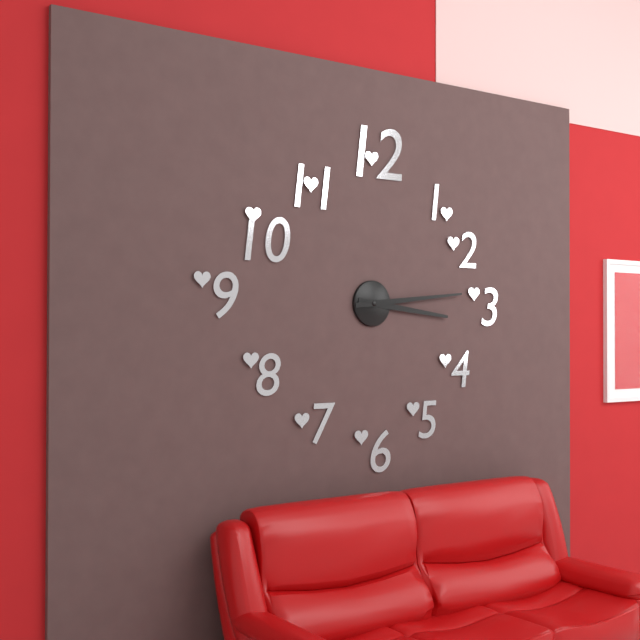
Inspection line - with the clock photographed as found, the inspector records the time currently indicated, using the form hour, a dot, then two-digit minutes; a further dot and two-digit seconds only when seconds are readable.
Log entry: 3.14
